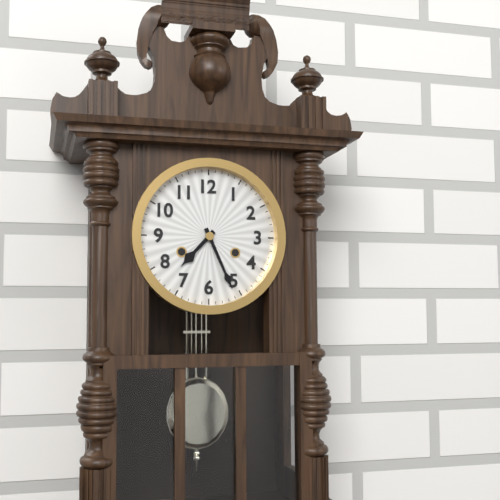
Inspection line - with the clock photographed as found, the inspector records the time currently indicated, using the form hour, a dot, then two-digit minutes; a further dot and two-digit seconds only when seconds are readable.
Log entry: 7.26
